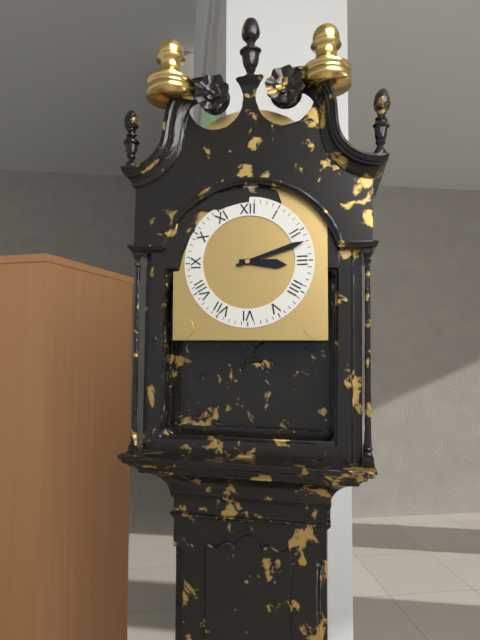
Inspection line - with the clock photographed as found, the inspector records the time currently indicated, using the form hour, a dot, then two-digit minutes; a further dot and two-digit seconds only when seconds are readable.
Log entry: 3.12
